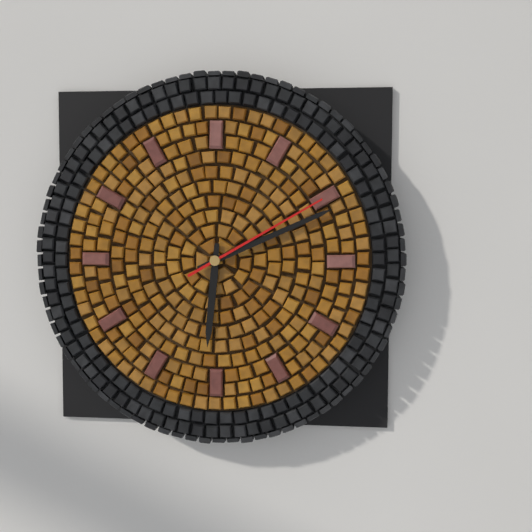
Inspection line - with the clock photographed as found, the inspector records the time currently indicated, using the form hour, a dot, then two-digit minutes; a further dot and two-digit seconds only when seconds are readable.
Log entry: 6.11.10
